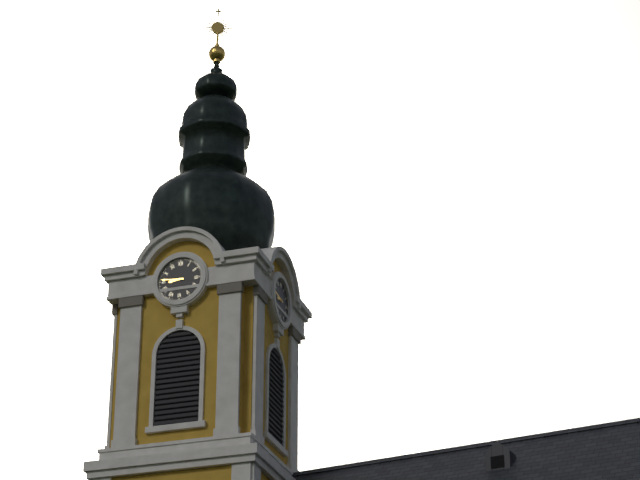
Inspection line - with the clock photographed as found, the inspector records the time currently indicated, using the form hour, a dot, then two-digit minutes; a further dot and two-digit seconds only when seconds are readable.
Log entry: 8.46
